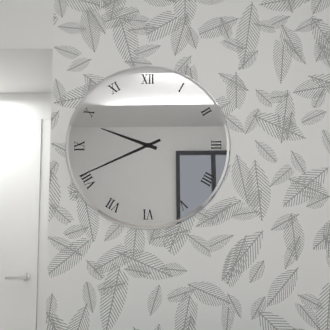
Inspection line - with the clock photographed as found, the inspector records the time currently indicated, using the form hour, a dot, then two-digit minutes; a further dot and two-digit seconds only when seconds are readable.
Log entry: 9.41
